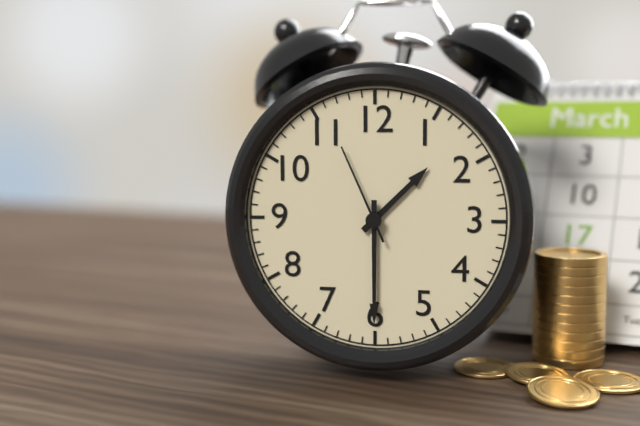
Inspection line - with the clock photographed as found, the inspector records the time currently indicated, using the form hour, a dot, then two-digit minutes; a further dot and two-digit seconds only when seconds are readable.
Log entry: 1.30.56
